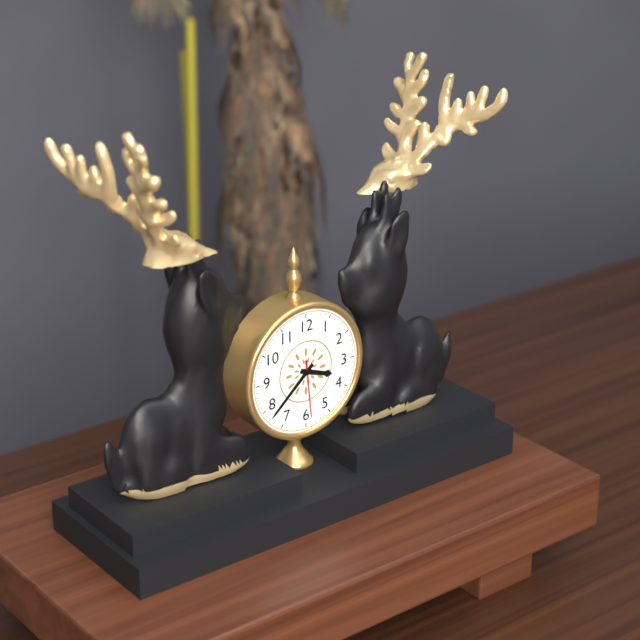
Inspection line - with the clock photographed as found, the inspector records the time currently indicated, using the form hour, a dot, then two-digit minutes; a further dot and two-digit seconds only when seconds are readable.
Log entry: 3.38.29
